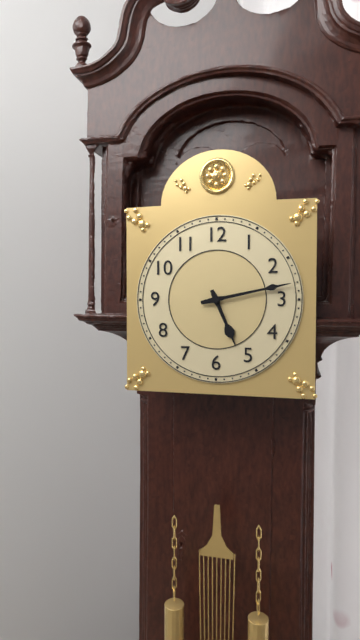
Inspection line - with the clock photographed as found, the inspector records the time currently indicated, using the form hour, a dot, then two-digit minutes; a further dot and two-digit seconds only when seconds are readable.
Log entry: 5.13
